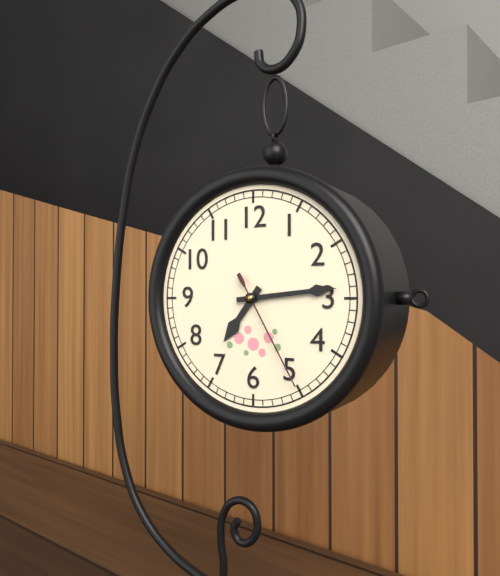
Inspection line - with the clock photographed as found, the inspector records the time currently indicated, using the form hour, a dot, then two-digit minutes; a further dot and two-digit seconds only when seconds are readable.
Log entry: 7.14.25
